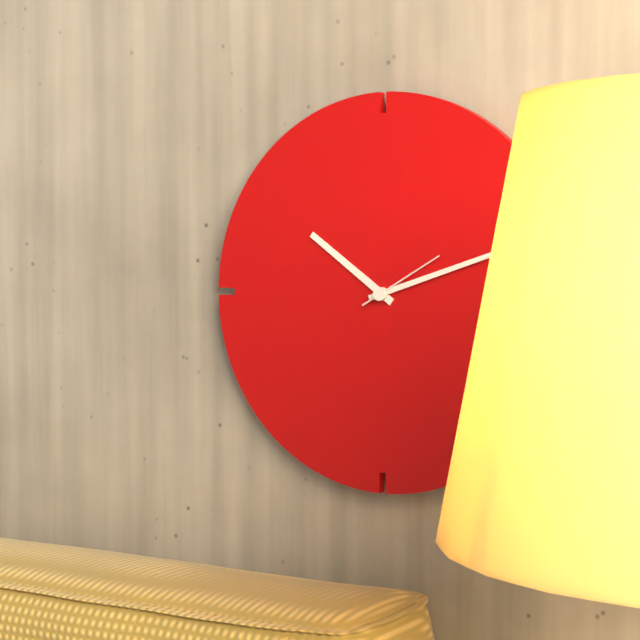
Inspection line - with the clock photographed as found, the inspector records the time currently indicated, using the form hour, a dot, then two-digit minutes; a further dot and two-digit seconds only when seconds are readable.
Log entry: 10.12.10
